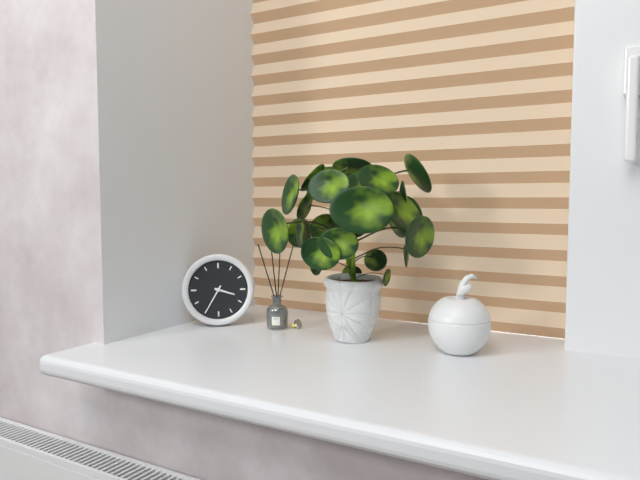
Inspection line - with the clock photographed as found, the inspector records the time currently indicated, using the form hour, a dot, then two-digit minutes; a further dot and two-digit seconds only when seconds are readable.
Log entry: 3.35
